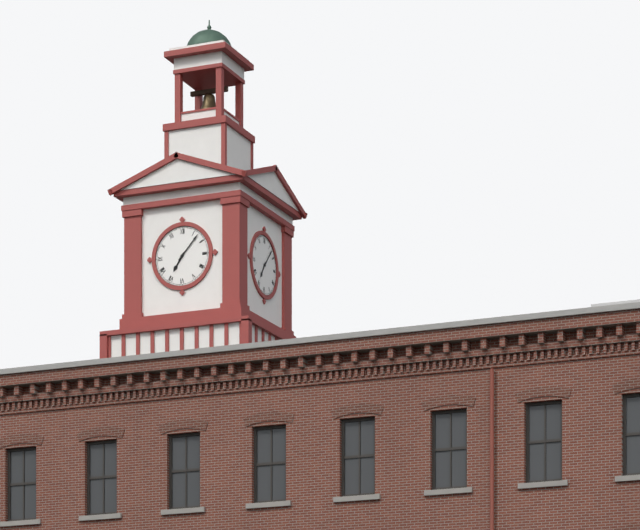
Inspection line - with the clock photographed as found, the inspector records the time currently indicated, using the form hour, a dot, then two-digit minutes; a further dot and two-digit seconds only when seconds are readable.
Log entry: 7.07
